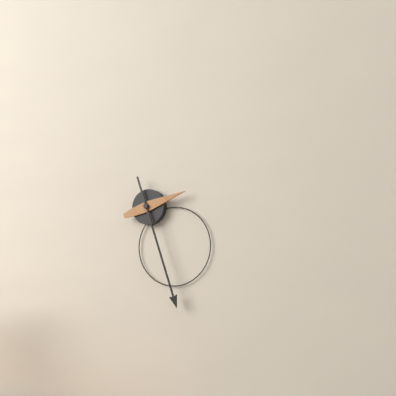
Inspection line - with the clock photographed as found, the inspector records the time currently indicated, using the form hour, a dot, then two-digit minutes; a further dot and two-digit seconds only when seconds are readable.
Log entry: 2.27
